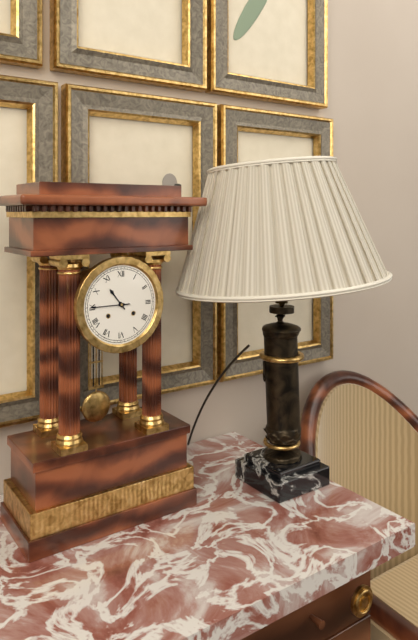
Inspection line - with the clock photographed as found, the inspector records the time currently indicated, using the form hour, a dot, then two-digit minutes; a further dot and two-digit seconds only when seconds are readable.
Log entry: 10.45
